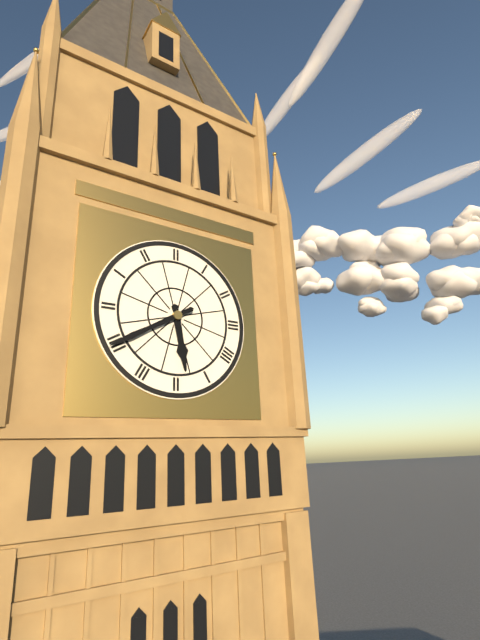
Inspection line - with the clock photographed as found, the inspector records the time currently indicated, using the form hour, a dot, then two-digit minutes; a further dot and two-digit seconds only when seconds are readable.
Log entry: 5.40
